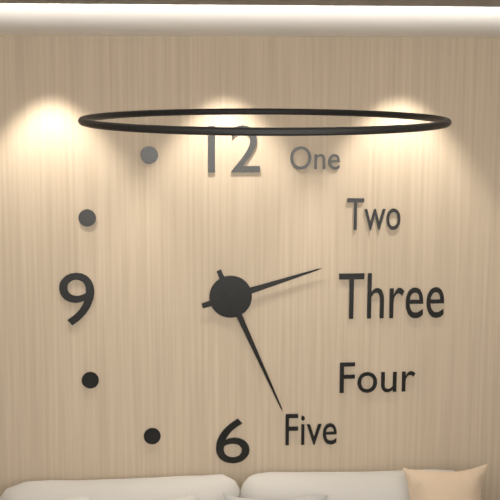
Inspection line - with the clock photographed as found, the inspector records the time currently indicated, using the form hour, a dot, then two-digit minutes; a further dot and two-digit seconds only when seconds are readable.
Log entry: 2.26
